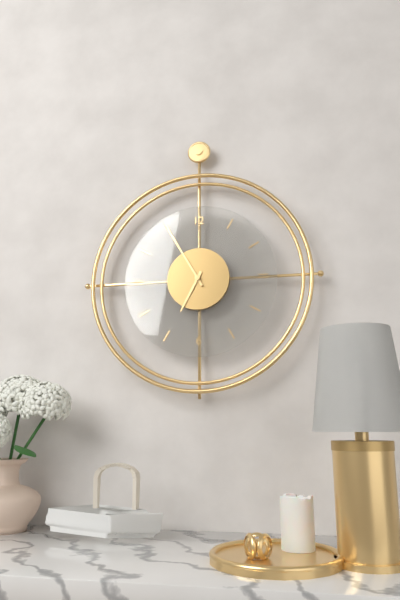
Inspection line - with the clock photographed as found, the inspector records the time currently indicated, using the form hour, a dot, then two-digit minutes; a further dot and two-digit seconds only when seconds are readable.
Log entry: 6.55
